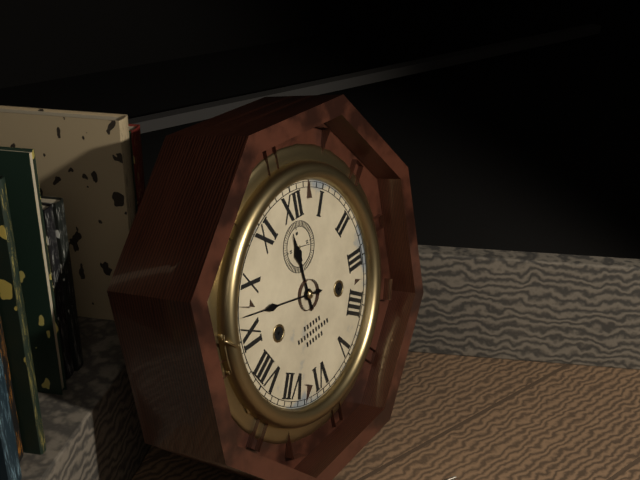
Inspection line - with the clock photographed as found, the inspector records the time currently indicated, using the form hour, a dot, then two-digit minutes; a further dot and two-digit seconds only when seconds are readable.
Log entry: 11.47
